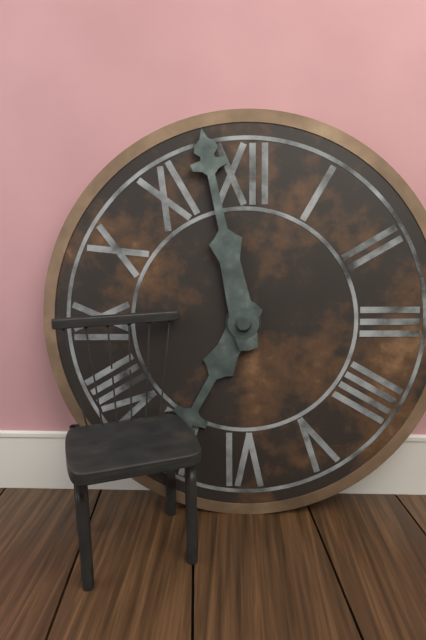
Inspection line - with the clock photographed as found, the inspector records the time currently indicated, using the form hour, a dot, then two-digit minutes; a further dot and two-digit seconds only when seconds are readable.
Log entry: 6.58
